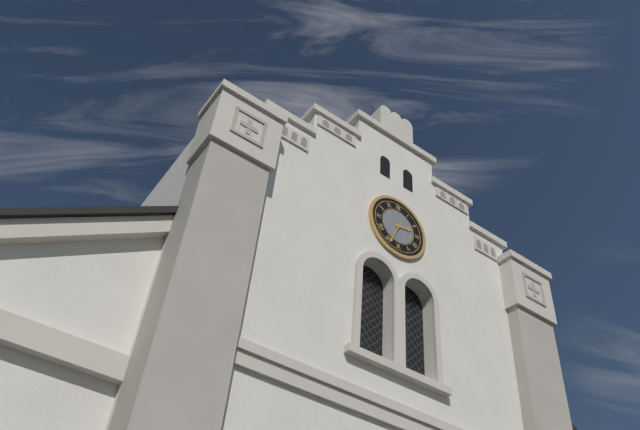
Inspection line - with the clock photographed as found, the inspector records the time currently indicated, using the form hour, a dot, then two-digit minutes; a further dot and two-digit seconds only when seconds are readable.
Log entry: 2.34
